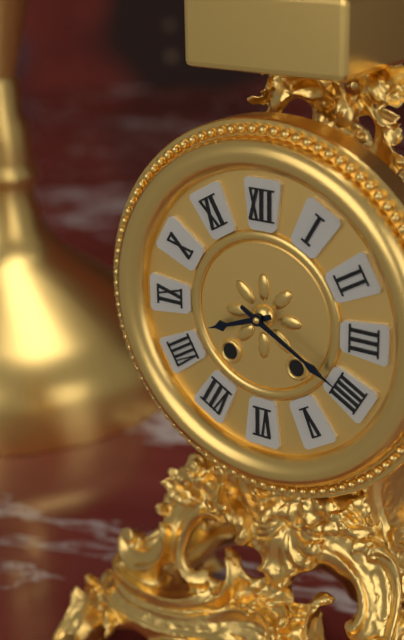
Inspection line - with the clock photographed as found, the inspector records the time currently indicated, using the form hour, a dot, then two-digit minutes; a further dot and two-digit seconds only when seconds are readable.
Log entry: 8.20
